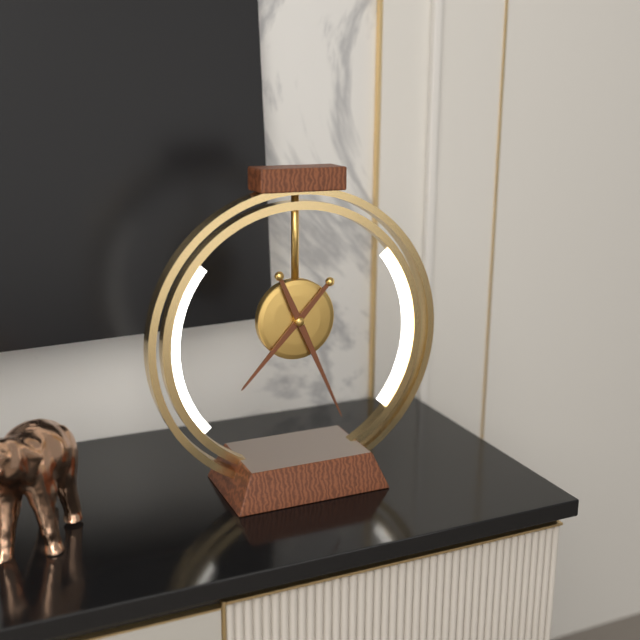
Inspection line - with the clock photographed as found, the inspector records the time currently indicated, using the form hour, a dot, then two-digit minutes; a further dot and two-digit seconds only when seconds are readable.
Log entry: 7.26
